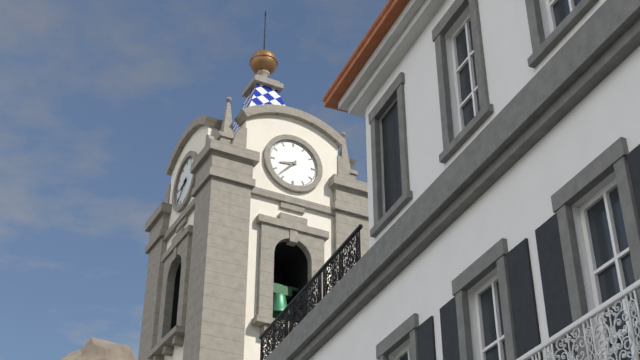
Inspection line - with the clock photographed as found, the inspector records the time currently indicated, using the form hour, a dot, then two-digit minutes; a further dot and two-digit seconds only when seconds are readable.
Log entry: 8.37
